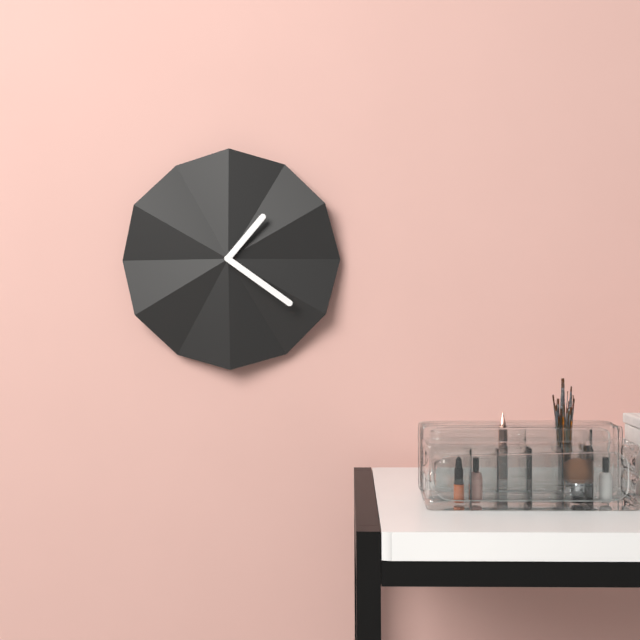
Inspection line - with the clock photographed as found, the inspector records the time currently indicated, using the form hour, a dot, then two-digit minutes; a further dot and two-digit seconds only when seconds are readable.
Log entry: 1.21
